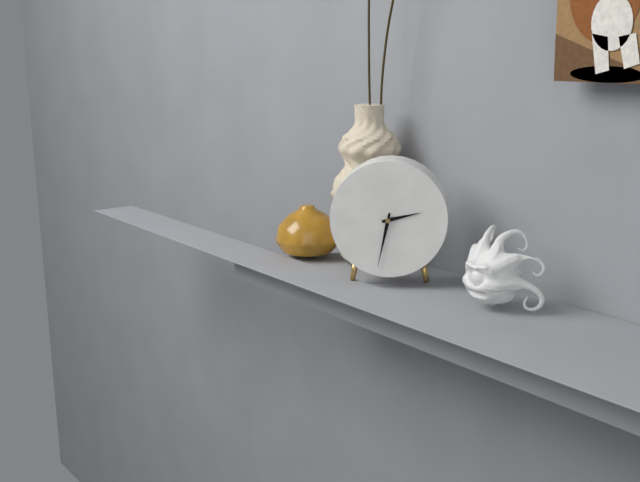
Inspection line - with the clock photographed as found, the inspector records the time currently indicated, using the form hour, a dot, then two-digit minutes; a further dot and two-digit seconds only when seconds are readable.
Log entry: 2.32
